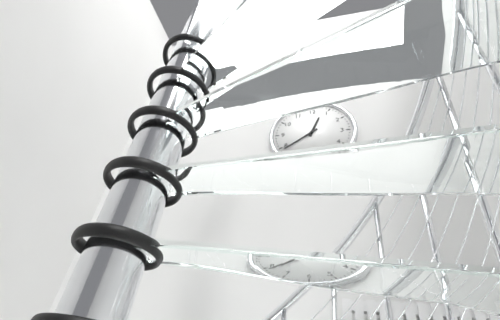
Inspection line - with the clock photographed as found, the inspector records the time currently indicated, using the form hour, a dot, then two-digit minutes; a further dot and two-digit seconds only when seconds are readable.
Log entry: 12.39
